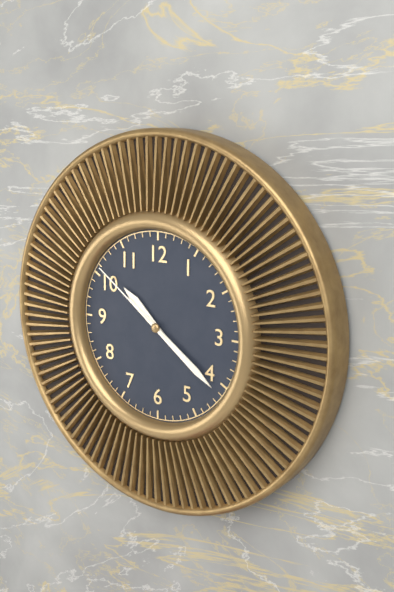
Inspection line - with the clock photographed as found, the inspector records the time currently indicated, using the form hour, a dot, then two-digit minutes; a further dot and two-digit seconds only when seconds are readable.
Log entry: 10.21.51
